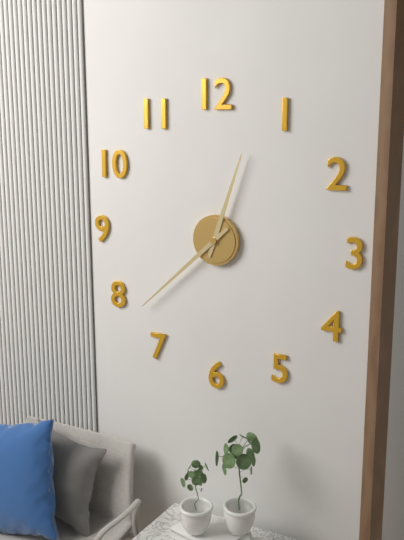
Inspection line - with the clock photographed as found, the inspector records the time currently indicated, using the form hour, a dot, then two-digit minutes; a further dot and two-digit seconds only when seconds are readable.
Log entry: 12.38
